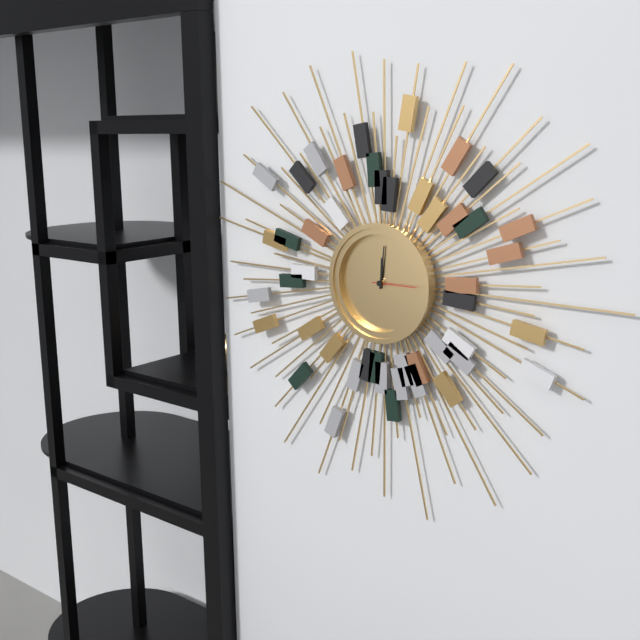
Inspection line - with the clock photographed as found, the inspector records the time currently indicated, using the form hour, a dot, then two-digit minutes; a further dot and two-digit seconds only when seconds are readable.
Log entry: 12.01
